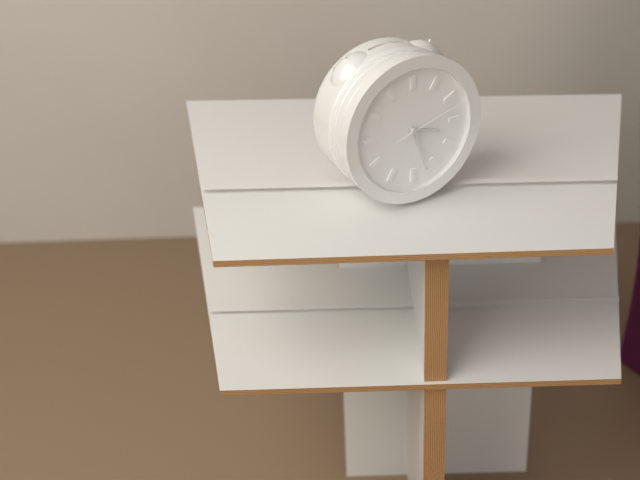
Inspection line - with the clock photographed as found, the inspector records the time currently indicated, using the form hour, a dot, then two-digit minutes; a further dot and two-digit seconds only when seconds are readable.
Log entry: 3.27.12
